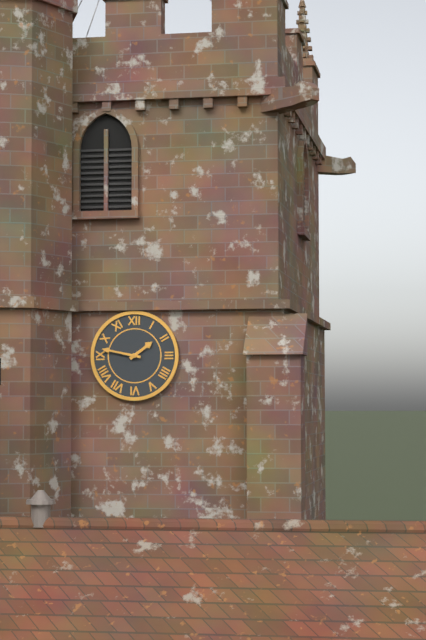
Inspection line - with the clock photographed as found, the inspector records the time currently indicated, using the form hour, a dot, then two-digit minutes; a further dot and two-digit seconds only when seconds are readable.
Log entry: 1.47
